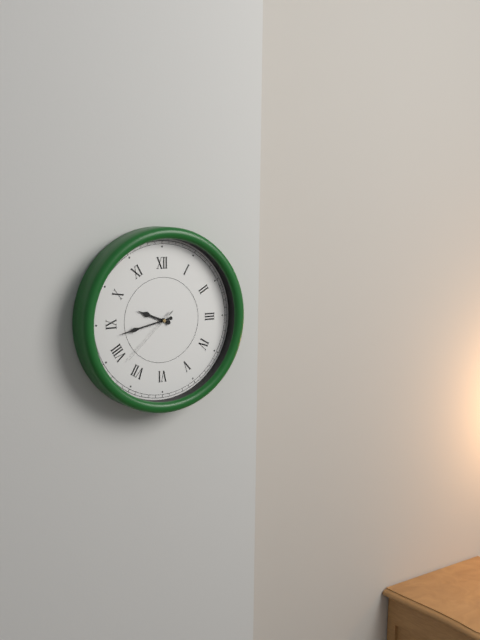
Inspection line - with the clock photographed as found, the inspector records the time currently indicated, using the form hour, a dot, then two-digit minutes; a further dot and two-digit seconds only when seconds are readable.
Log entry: 9.43.38
